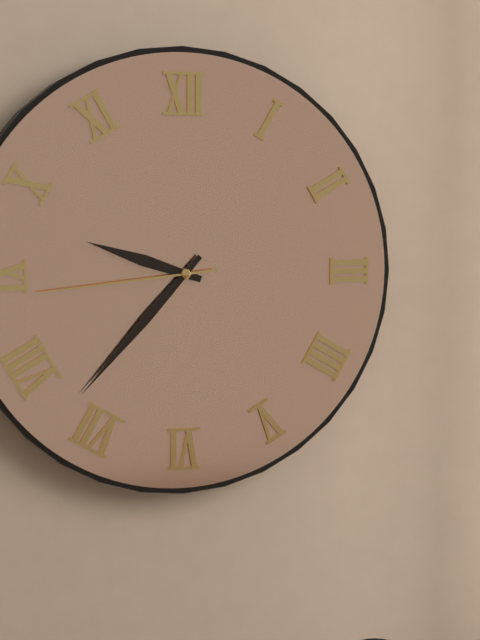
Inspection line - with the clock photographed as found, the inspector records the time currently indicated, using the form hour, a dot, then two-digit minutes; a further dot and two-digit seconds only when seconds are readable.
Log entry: 9.37.44
